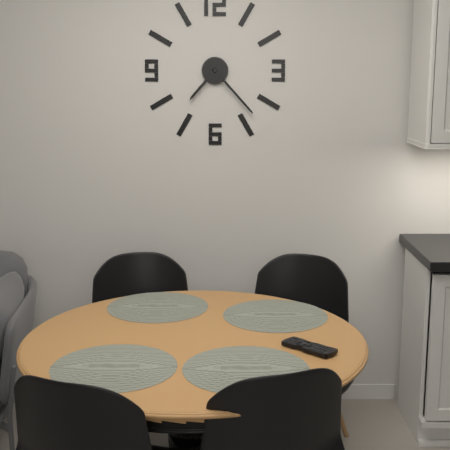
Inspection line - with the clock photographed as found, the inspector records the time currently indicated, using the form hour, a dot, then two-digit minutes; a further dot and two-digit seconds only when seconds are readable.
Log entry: 7.23
